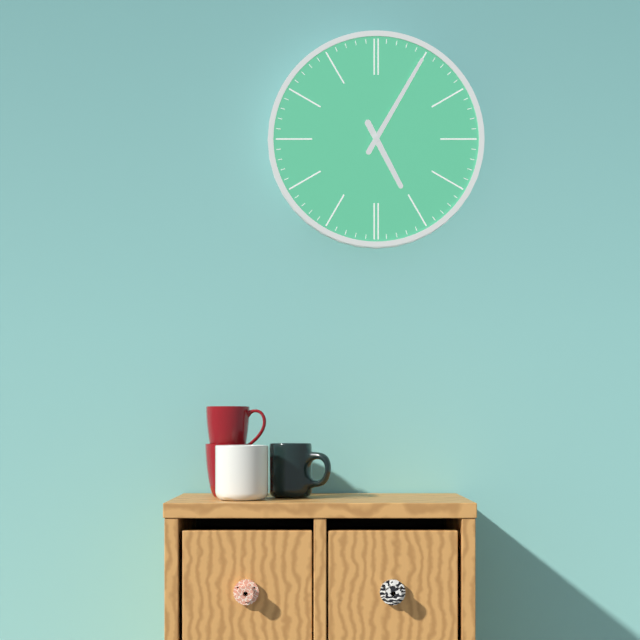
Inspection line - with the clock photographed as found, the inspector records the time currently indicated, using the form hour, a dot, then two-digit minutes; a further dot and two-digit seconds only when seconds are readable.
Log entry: 5.05
